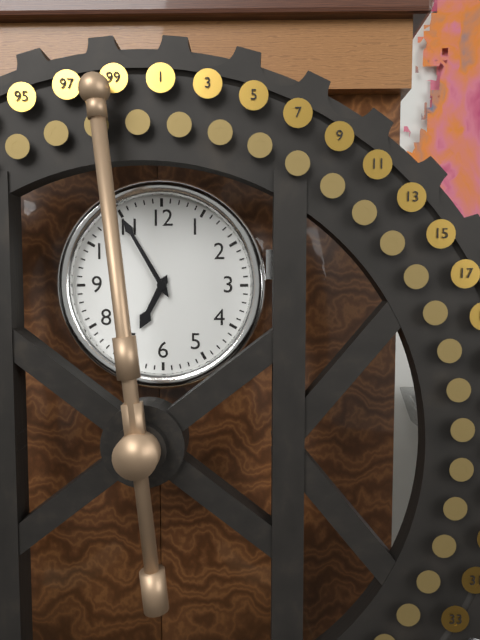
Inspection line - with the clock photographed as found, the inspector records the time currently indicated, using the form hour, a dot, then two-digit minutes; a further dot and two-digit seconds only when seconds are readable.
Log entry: 6.55
